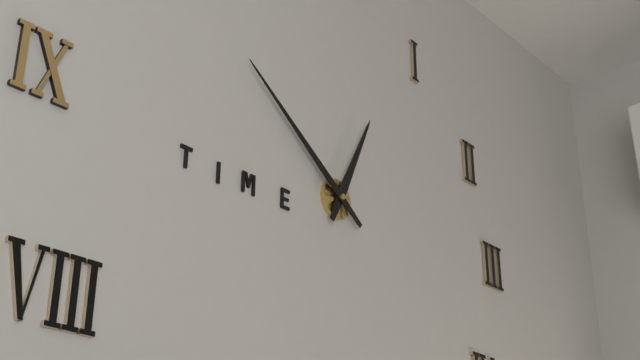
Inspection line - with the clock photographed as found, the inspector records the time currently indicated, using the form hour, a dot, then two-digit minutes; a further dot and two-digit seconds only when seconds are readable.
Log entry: 12.51
